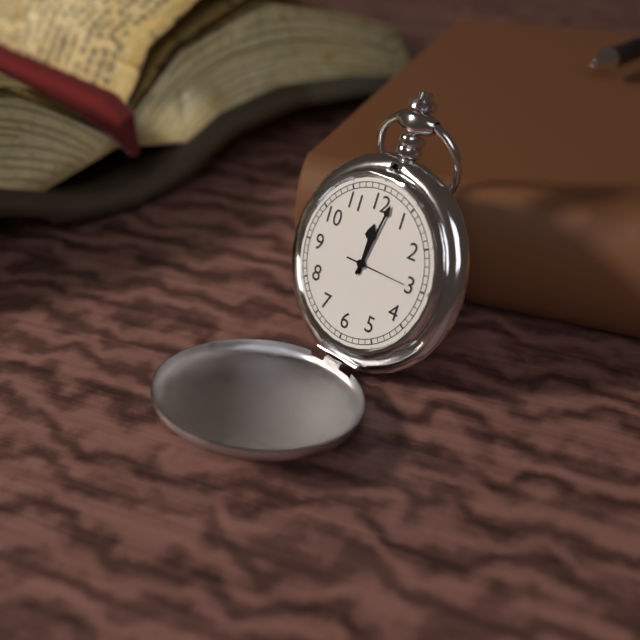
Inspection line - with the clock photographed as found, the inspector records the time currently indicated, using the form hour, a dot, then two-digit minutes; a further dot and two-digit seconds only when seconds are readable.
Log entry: 12.02.15
